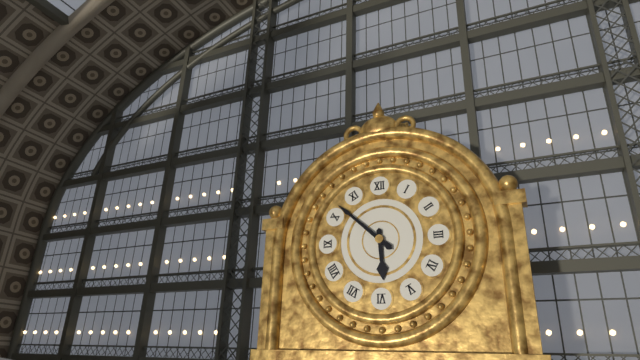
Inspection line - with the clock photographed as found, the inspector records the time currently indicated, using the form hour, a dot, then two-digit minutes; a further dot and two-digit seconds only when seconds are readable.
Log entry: 5.52
